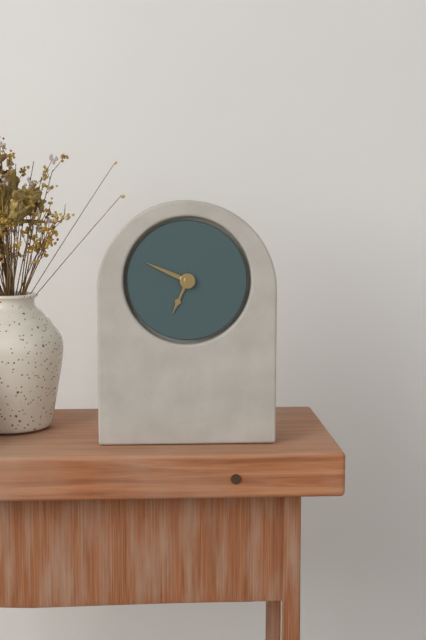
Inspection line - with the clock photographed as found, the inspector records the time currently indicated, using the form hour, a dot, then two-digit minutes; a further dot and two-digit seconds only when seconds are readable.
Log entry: 6.49
